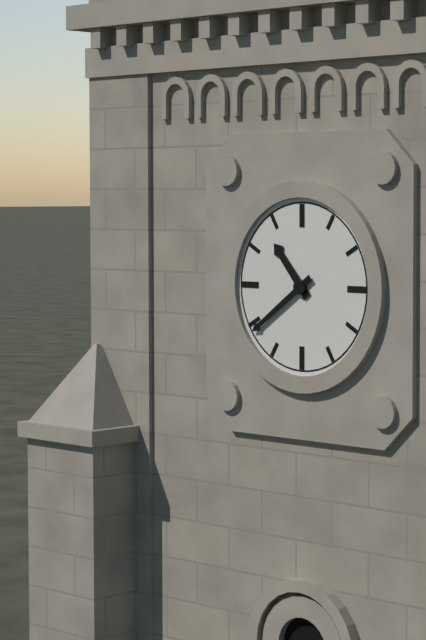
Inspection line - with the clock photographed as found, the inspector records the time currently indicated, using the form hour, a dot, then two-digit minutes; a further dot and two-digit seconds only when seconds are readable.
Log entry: 10.39
